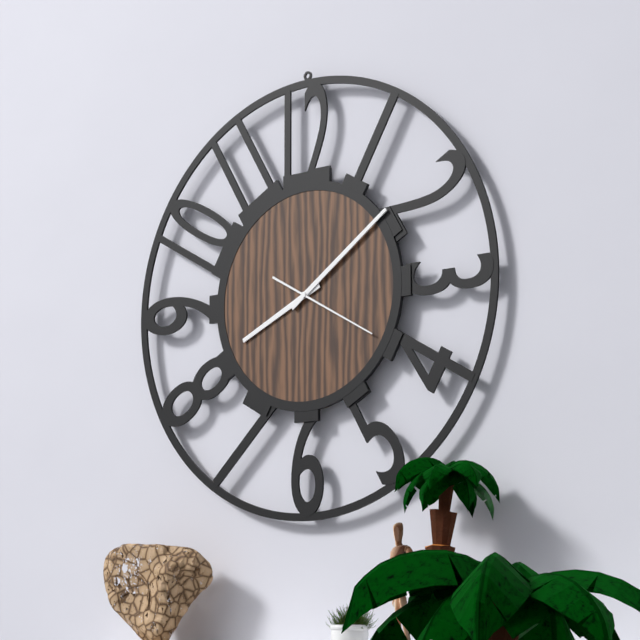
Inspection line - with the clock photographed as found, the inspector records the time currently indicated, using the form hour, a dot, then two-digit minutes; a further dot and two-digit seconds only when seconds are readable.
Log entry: 8.09.20
